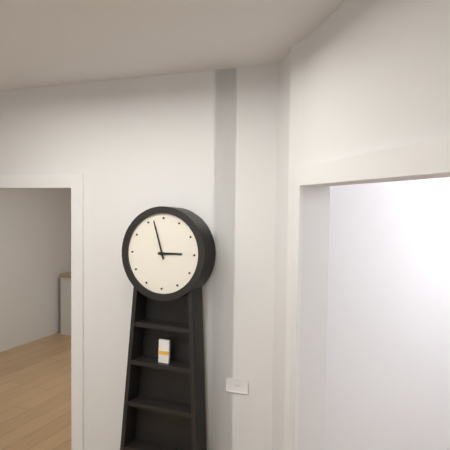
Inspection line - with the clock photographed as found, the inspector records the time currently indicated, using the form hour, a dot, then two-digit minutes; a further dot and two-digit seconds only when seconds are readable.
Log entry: 2.57
